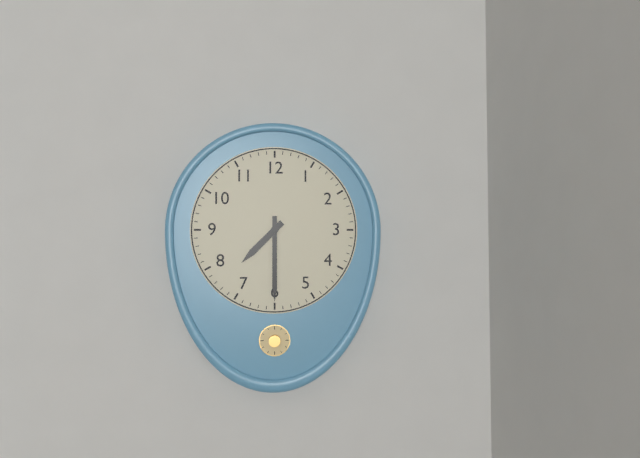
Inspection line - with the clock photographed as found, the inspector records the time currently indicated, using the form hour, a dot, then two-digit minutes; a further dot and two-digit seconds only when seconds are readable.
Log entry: 7.30
